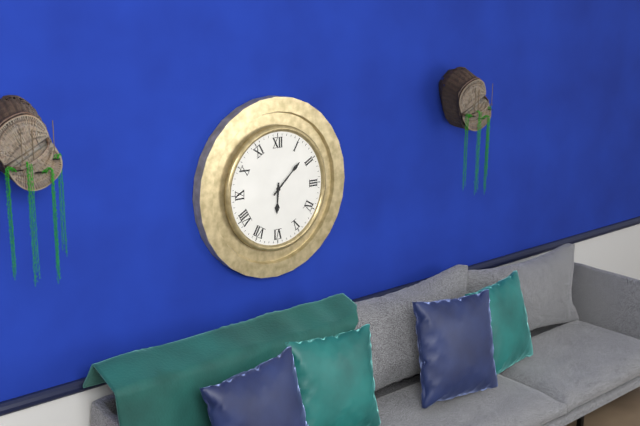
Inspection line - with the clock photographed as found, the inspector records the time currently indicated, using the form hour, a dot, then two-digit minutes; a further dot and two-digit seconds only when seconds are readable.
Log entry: 6.08
